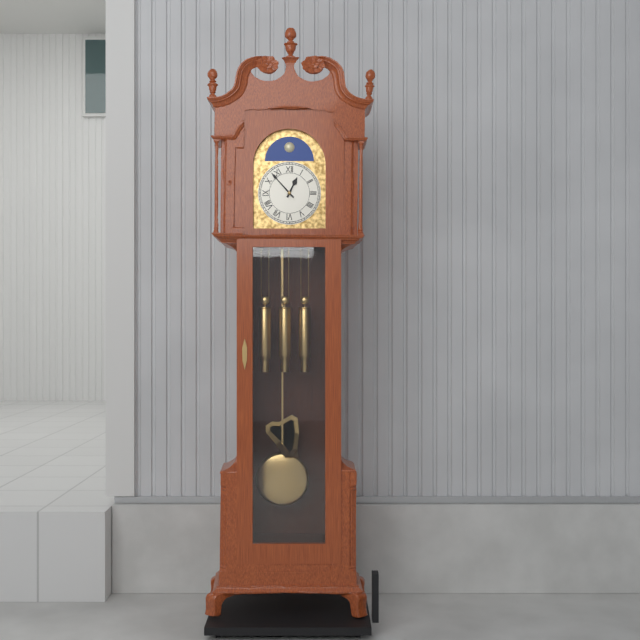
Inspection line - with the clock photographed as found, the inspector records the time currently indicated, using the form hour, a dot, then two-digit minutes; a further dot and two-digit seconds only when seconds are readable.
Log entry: 12.53
